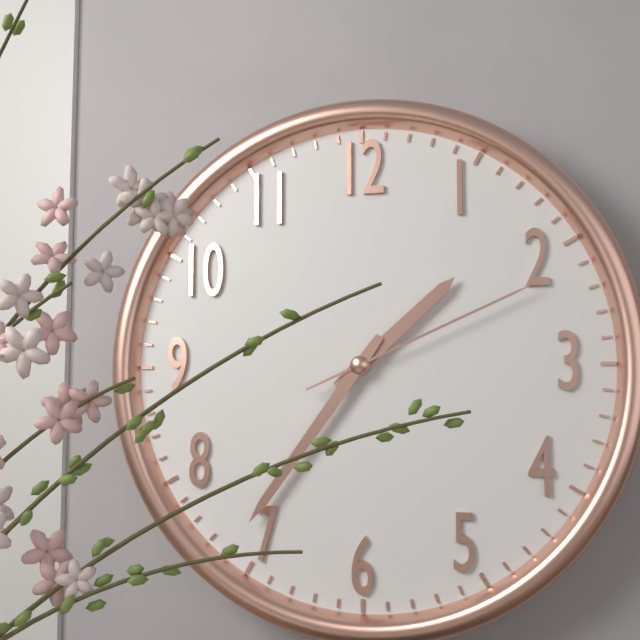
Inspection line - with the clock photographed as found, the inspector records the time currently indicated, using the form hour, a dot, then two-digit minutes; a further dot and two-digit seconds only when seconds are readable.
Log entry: 1.36.11
